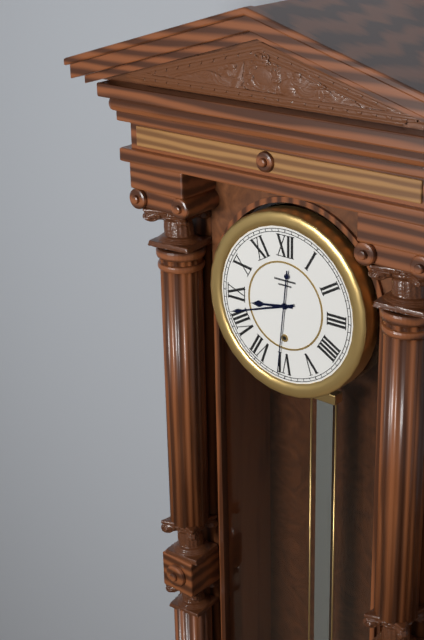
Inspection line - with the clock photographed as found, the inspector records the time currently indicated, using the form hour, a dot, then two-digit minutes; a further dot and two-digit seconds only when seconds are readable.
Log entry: 8.42.31
